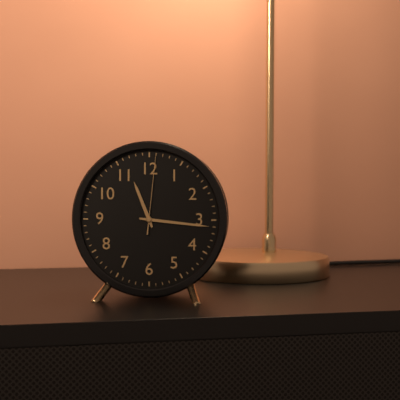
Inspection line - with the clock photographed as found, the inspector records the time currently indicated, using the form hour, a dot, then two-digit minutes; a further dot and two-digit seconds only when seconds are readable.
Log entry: 11.16.01
